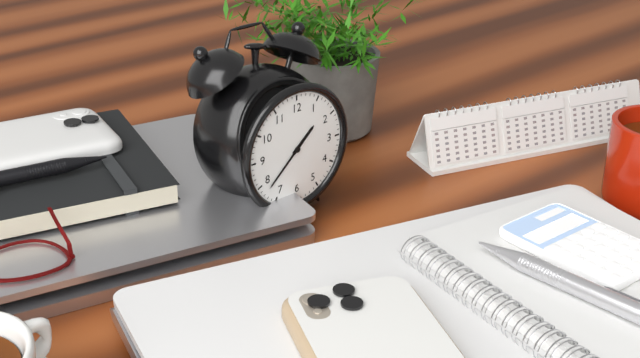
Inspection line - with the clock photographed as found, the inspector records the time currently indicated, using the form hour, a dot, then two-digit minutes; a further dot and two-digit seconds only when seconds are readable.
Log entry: 1.38
